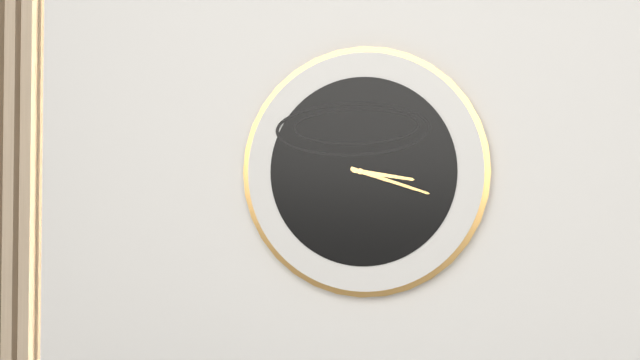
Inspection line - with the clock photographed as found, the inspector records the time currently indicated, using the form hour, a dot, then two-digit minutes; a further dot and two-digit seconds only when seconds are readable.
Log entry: 3.18
